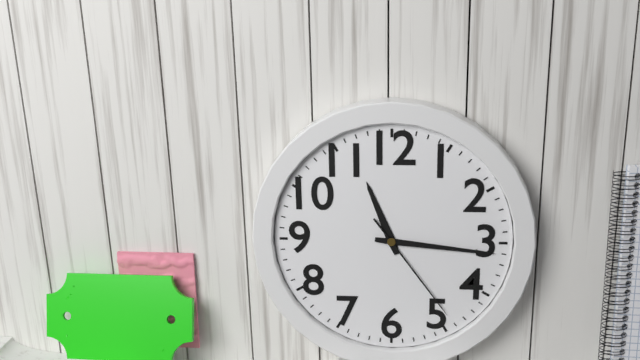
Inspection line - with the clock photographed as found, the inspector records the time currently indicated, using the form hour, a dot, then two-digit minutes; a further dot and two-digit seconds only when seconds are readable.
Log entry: 11.16.24
